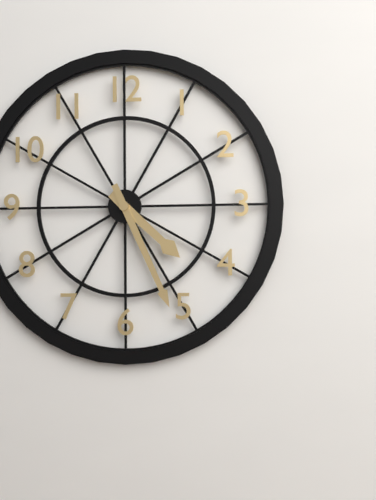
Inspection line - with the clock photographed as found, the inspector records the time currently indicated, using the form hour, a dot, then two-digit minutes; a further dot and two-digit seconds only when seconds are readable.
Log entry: 4.26
